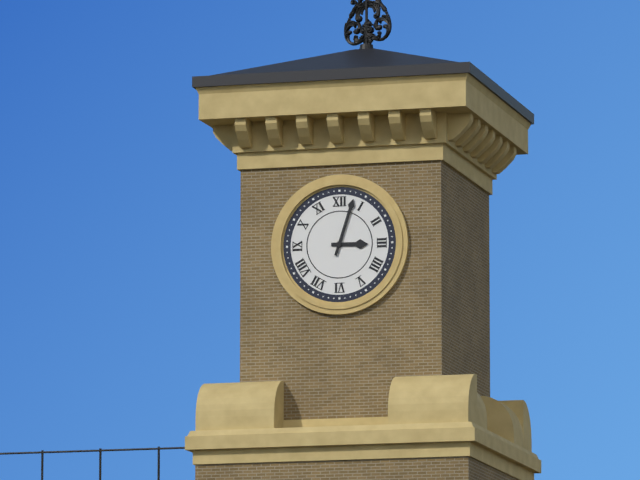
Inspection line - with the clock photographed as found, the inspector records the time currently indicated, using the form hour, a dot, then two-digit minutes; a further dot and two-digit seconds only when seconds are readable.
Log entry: 3.03
